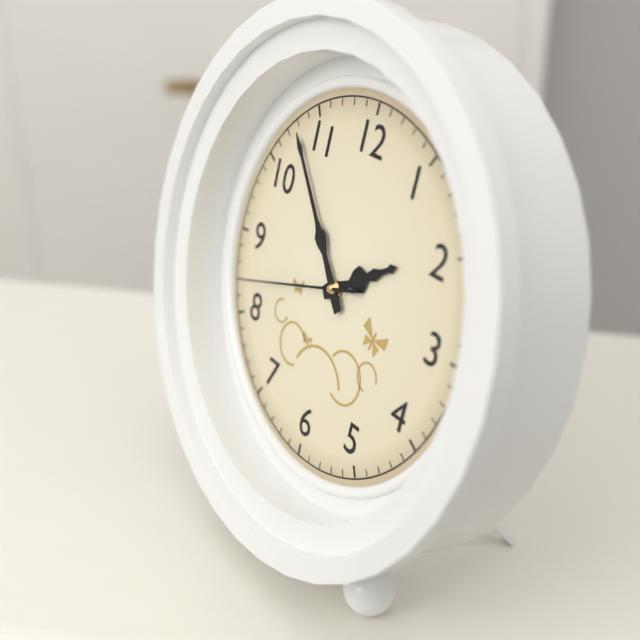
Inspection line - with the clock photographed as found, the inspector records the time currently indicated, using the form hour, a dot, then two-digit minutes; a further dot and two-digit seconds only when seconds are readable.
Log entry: 1.53.42
